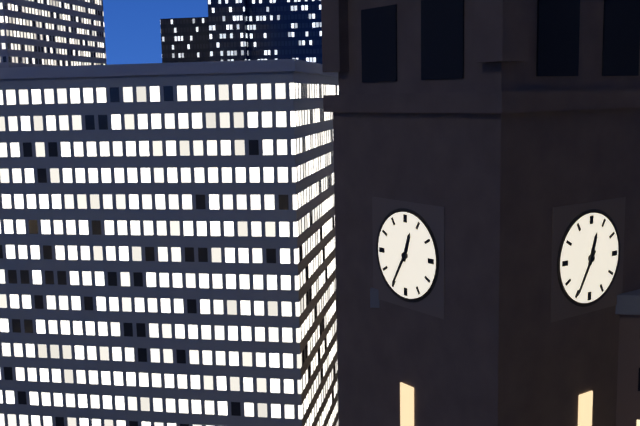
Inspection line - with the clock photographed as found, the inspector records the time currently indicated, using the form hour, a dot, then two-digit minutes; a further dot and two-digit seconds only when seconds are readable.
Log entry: 12.35
